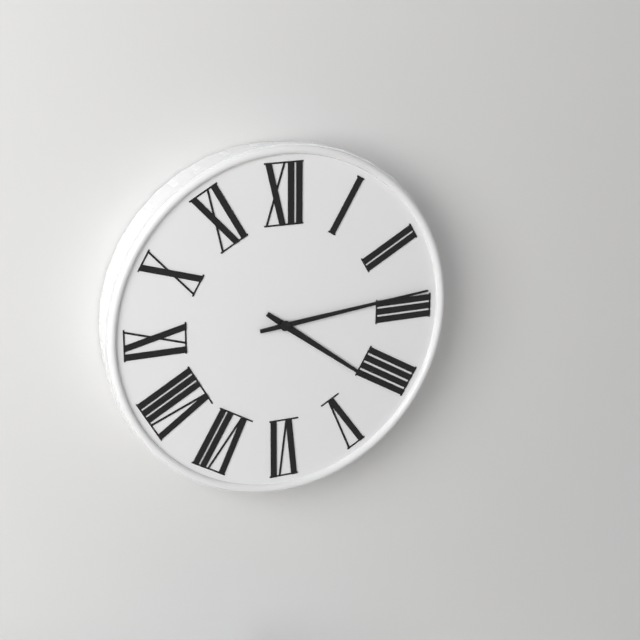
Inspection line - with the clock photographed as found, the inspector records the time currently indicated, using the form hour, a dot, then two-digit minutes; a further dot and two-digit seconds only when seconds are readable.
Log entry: 4.14
